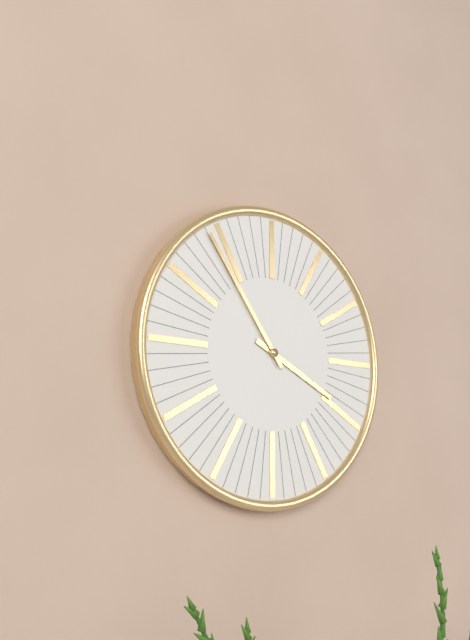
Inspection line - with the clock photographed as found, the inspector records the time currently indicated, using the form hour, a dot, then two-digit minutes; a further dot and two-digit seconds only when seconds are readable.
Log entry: 3.54
